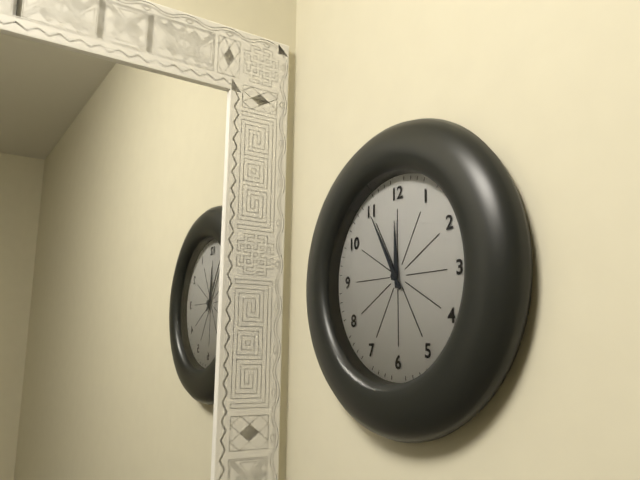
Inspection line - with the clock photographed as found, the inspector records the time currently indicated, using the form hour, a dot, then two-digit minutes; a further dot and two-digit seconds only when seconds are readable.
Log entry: 11.55
